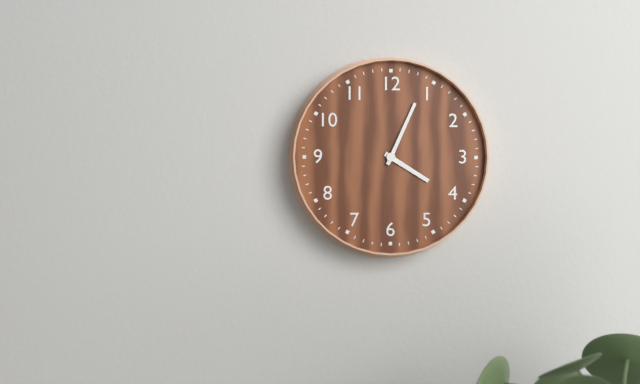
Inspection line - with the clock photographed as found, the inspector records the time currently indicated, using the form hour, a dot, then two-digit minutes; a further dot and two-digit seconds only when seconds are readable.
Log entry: 4.04
